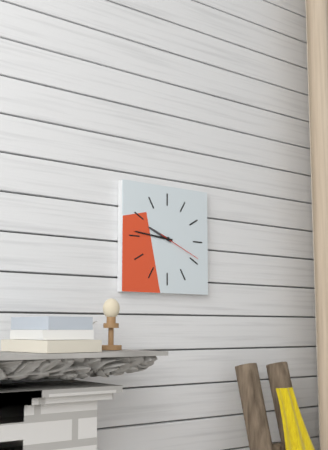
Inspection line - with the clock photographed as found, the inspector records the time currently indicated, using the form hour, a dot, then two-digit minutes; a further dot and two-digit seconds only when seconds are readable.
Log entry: 9.46
